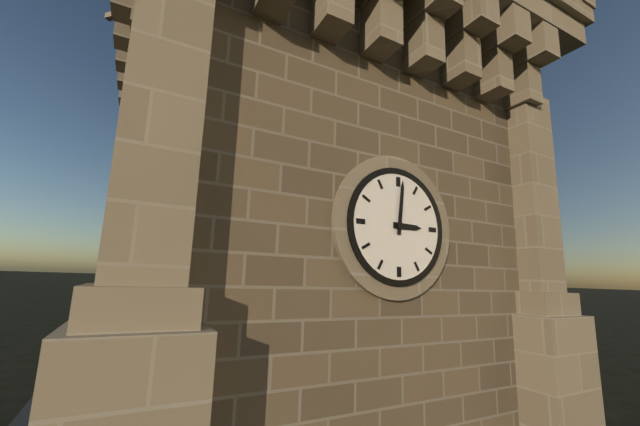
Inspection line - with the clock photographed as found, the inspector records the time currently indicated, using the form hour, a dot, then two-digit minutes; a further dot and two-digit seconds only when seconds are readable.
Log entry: 3.01
